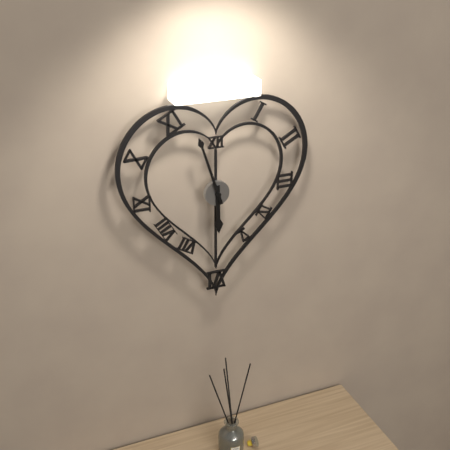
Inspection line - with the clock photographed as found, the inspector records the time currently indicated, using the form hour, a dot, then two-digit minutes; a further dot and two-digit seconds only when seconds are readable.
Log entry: 5.57
